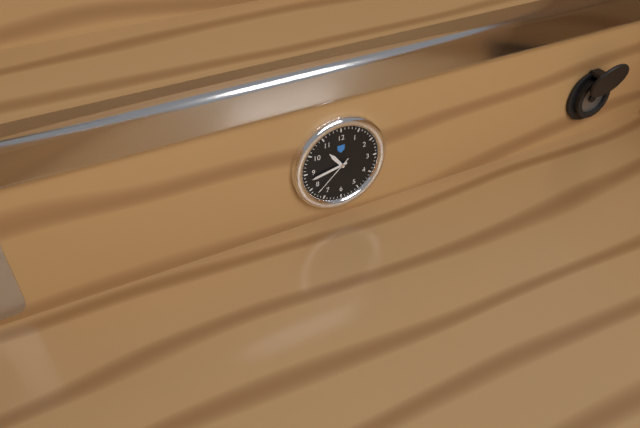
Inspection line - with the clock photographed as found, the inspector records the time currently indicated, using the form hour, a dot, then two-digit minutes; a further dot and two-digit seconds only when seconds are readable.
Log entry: 10.43
